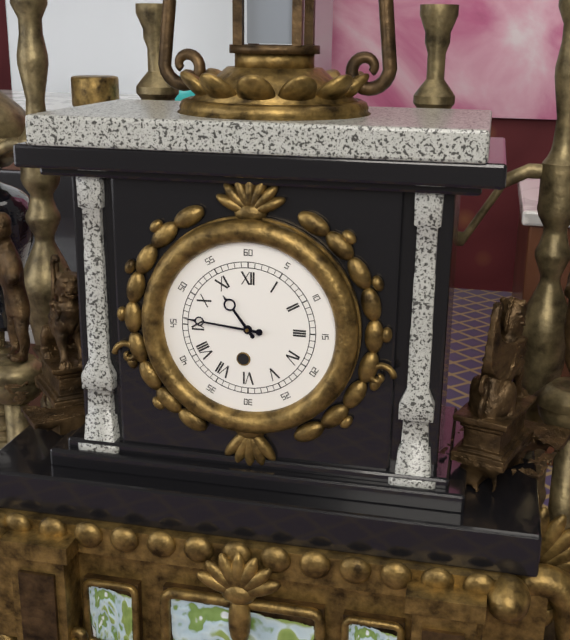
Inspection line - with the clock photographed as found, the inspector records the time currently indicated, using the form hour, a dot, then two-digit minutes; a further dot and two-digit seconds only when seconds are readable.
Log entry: 10.46
